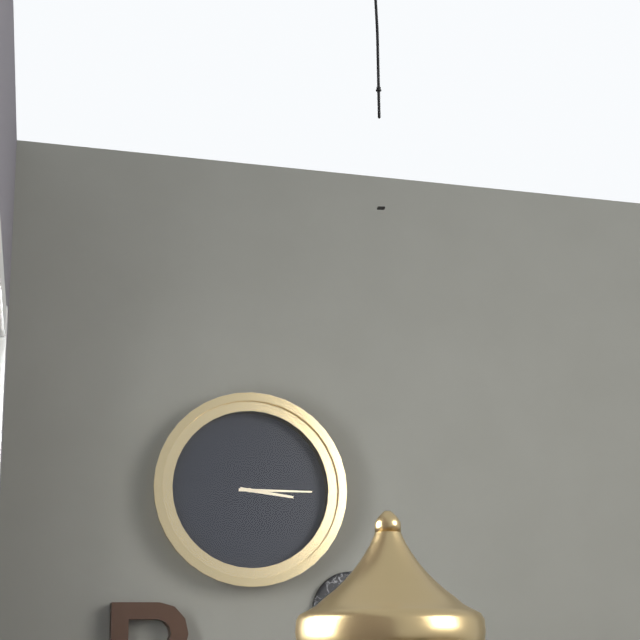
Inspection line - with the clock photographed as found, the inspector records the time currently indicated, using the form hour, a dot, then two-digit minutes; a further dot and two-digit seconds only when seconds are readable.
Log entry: 3.15
